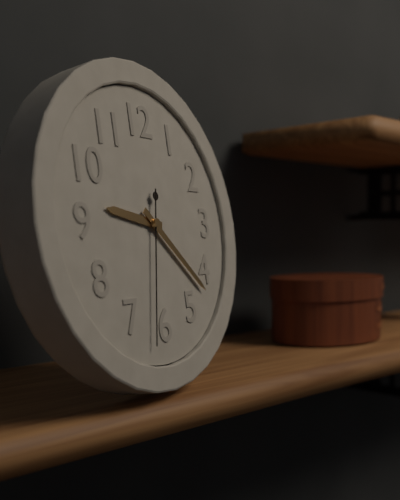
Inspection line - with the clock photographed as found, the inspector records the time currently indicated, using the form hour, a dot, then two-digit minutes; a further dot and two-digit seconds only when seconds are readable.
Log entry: 9.22.32
